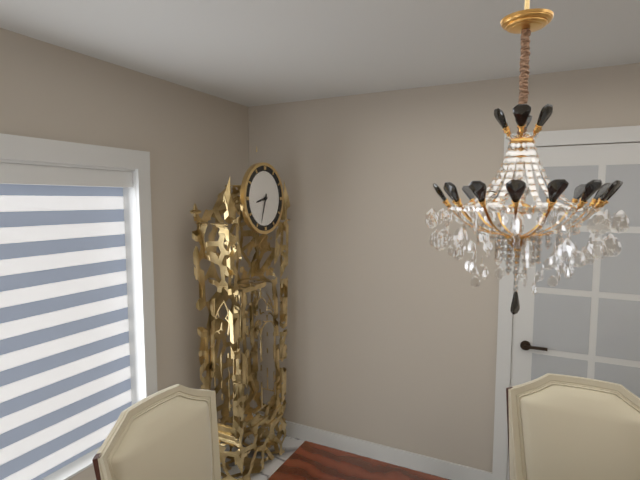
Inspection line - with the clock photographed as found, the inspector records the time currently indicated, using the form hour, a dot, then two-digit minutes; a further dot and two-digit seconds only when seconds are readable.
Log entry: 8.33
